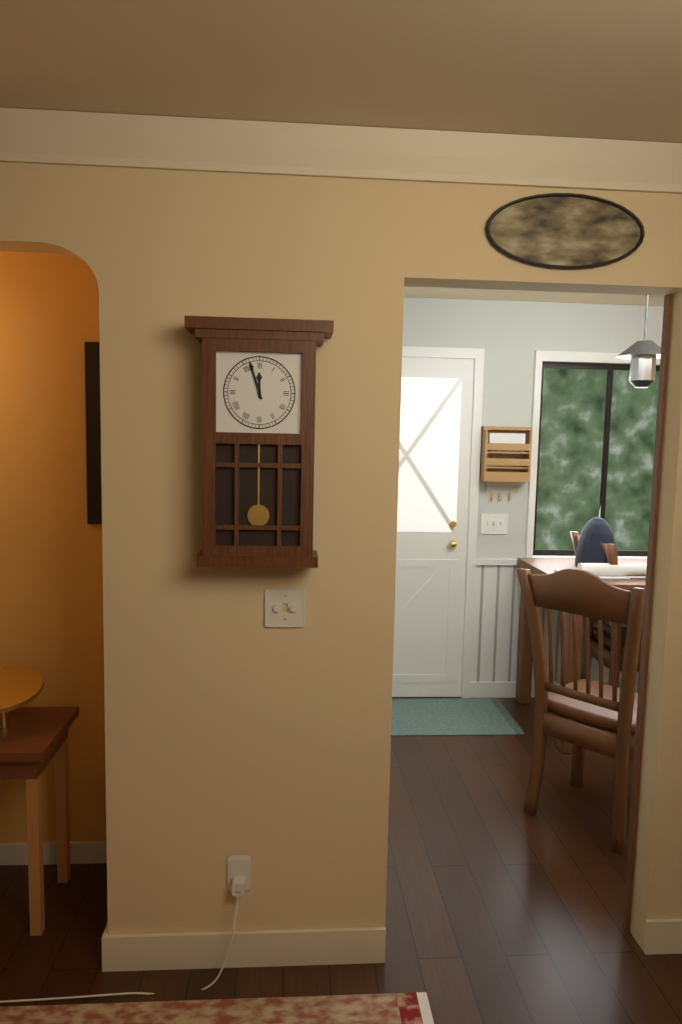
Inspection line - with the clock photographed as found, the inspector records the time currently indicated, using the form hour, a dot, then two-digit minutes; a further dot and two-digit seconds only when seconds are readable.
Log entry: 11.57
